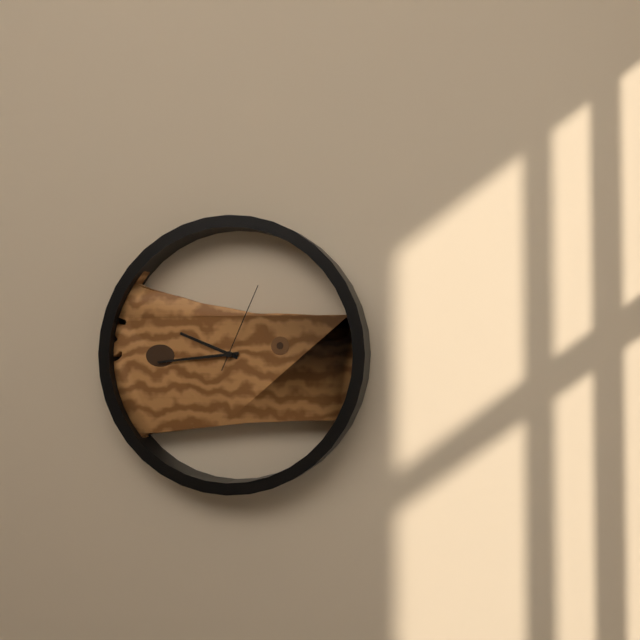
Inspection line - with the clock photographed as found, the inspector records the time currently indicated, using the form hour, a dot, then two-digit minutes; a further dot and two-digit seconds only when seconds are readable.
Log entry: 9.44.04
